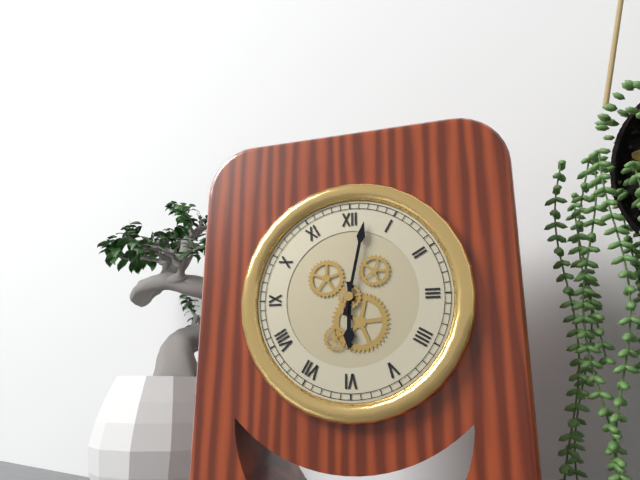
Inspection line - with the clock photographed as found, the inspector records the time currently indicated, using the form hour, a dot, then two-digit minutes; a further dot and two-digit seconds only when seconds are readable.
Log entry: 6.02
